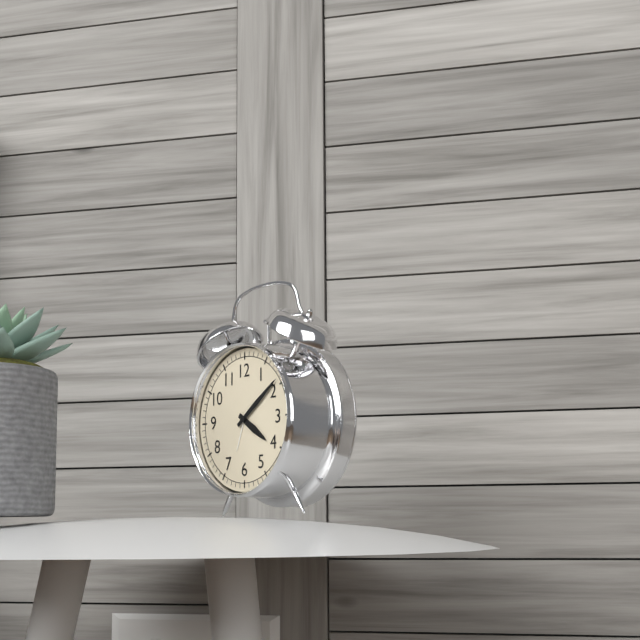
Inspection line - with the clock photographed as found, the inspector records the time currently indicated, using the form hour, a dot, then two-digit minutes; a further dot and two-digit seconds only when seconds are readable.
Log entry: 4.09
